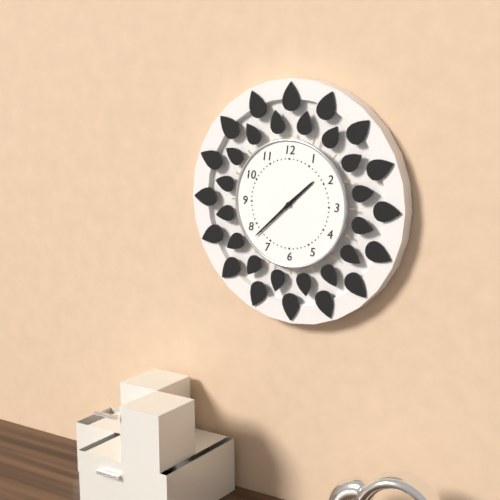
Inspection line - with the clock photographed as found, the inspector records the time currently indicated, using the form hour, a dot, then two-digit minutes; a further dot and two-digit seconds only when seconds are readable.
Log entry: 1.38
